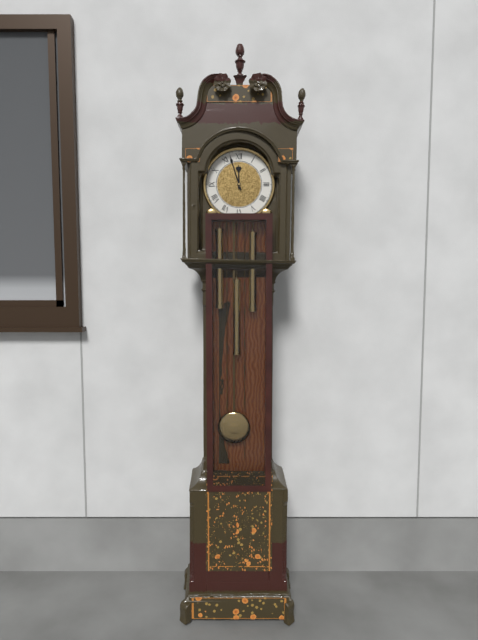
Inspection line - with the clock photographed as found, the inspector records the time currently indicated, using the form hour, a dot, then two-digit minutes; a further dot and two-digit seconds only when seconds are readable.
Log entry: 11.57
